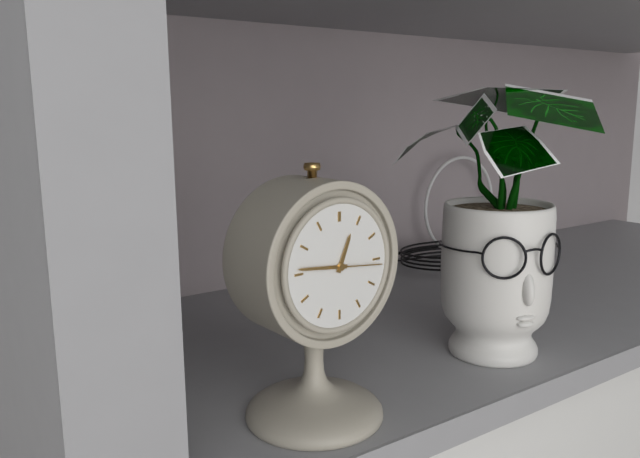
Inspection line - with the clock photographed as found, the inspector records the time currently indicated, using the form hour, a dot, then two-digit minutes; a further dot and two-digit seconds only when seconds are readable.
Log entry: 12.46.16
